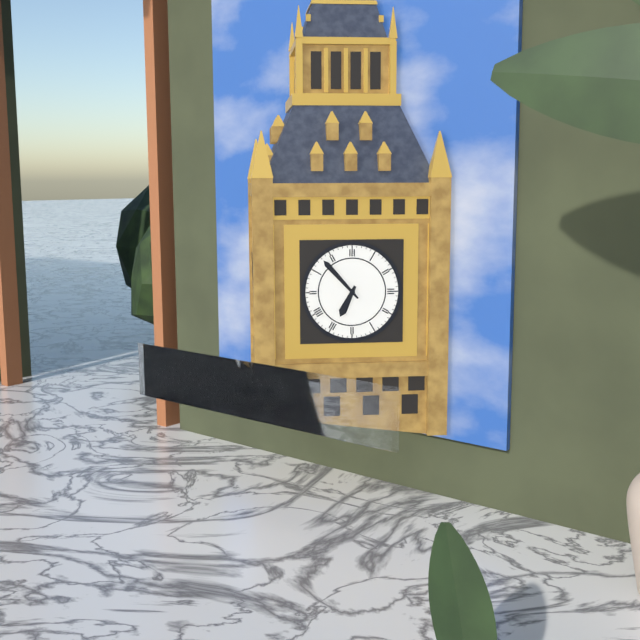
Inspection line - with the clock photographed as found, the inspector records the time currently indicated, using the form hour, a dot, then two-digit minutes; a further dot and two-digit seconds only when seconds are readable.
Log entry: 6.53
